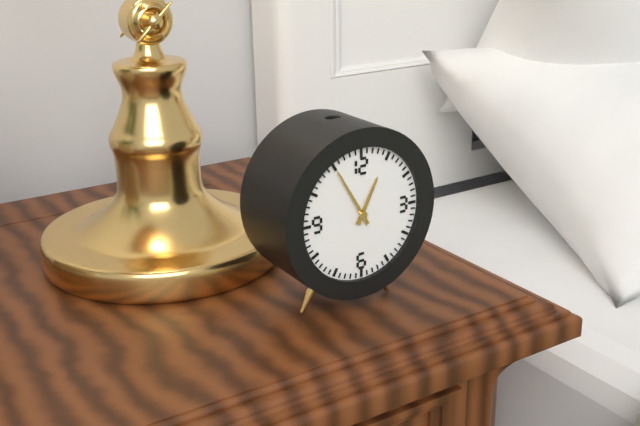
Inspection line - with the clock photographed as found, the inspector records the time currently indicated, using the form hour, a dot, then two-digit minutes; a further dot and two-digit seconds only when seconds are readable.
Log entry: 12.55
